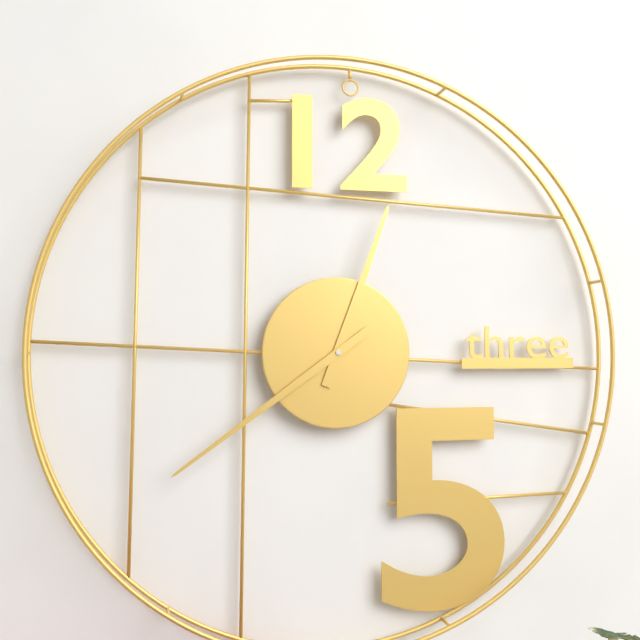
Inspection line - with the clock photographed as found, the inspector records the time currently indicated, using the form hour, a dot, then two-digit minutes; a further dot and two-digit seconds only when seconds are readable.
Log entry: 12.39
